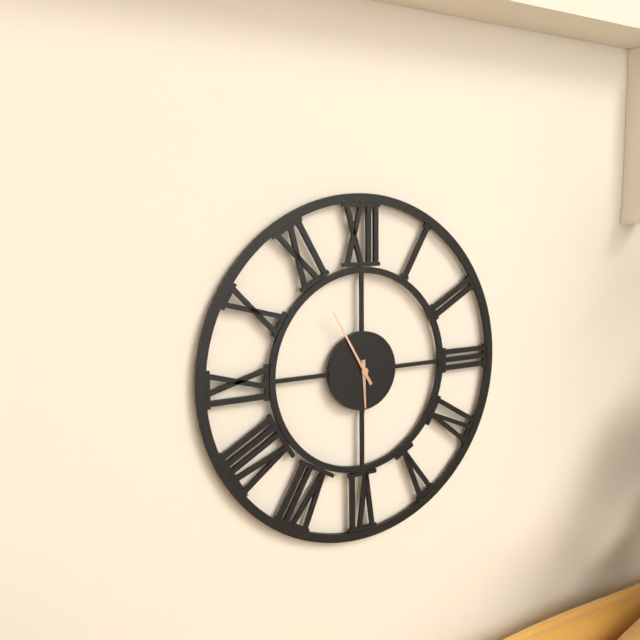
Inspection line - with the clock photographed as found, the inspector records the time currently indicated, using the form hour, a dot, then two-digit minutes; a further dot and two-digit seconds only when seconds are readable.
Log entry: 5.55
